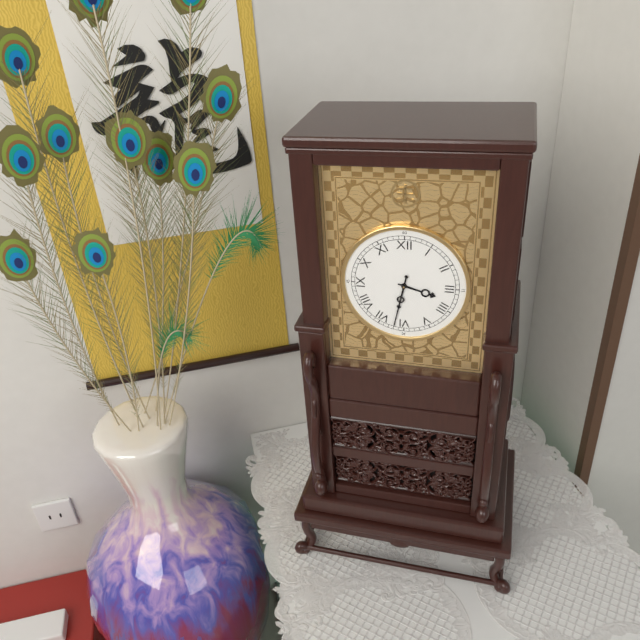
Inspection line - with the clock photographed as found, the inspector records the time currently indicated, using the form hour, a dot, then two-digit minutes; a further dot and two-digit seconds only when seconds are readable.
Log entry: 3.32
